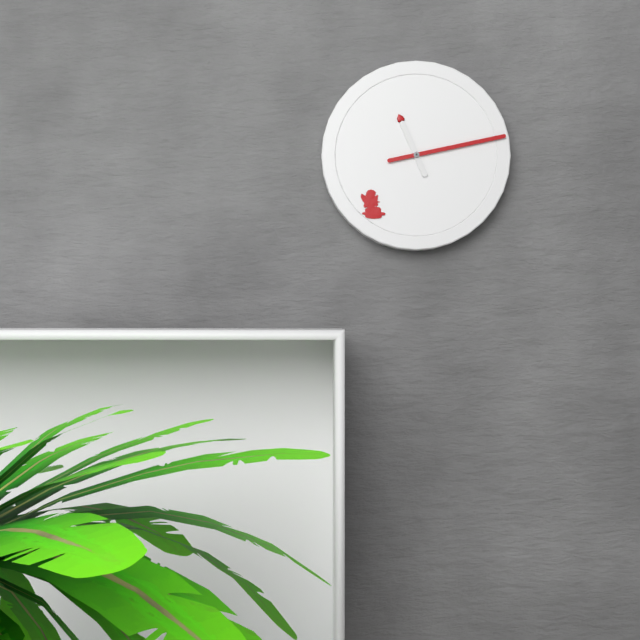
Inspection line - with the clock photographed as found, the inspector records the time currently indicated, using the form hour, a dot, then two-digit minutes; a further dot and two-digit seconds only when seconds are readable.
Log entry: 11.13
